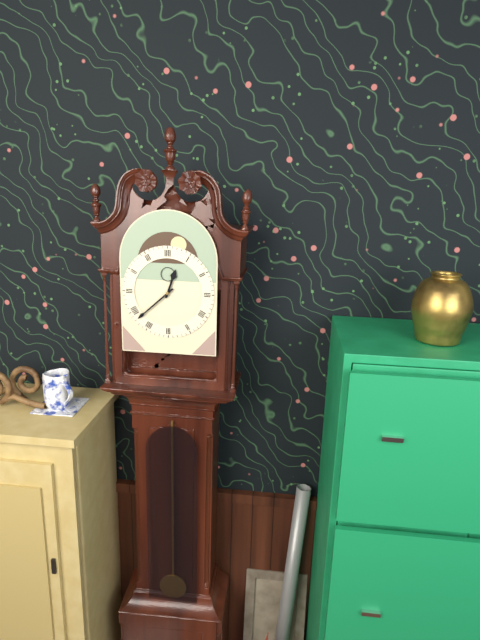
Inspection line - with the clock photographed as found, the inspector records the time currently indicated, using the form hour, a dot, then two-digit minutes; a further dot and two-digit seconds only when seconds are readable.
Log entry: 12.38
